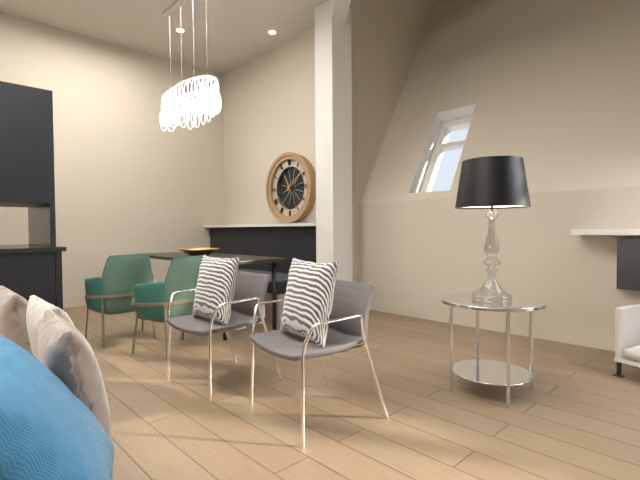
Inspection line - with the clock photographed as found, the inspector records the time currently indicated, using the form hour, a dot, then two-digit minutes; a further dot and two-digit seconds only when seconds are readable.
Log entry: 11.09
